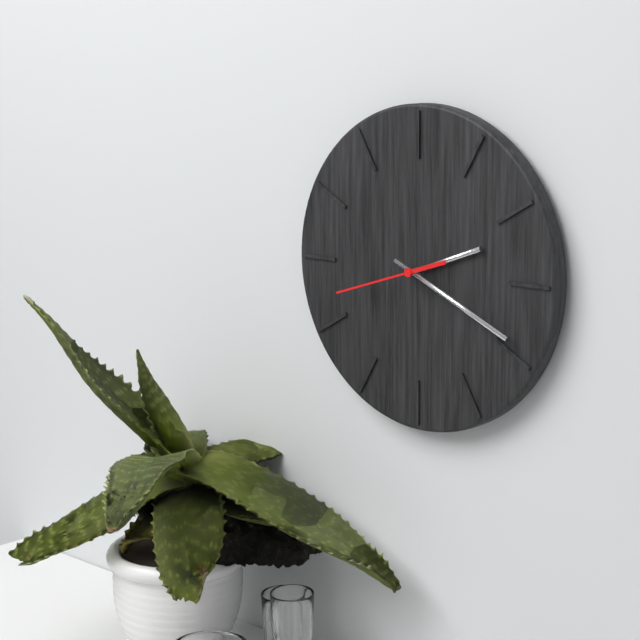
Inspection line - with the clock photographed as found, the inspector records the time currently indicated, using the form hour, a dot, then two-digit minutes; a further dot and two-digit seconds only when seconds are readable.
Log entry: 2.19.42
